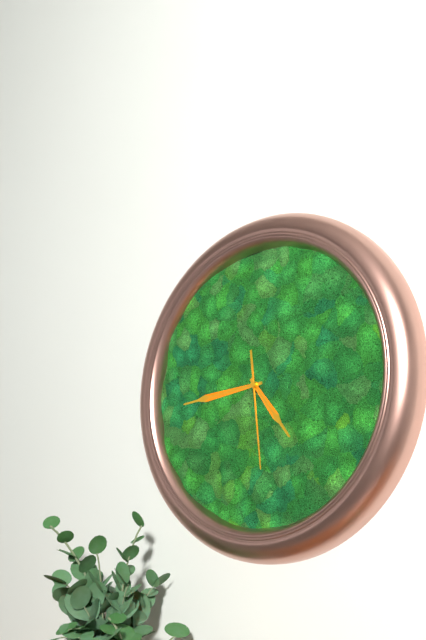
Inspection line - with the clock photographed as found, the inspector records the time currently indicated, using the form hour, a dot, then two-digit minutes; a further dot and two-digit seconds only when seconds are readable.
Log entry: 4.44.29
